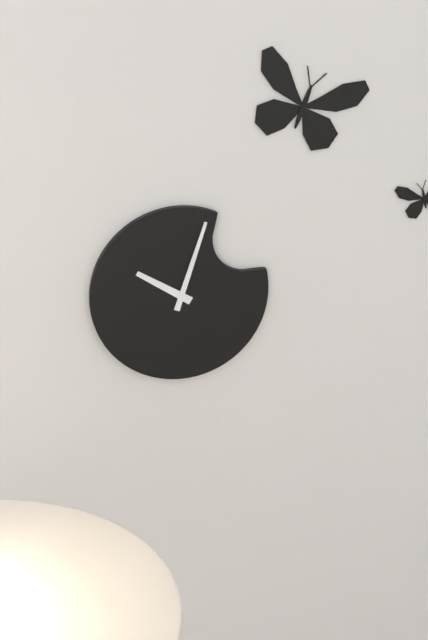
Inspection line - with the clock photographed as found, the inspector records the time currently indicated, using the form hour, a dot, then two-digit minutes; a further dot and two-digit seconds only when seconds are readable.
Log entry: 10.03
